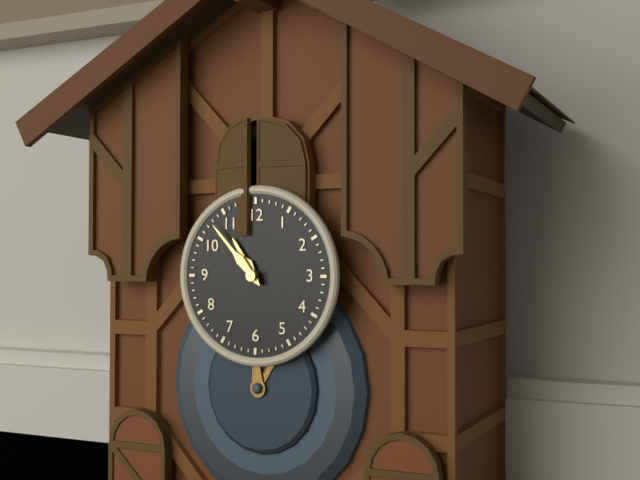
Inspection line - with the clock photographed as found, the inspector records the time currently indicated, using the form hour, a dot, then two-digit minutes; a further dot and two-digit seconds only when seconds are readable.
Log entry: 10.53
